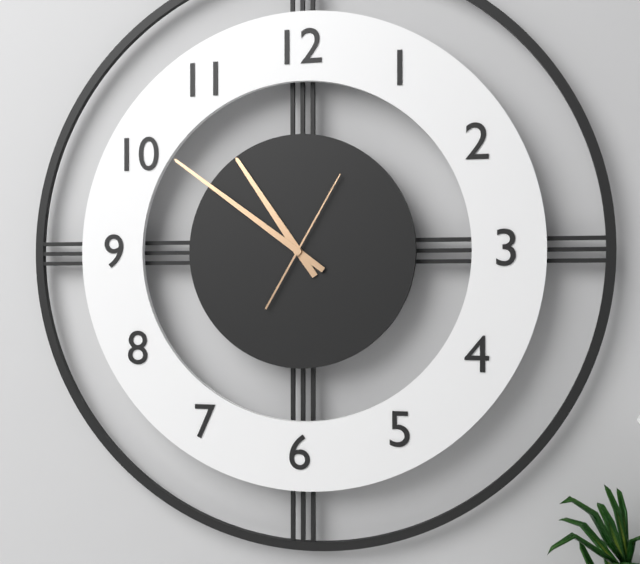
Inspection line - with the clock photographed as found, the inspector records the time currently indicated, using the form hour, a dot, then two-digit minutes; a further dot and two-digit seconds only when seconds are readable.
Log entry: 10.51.05
